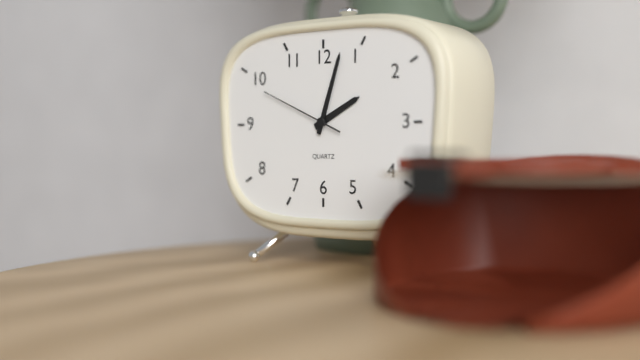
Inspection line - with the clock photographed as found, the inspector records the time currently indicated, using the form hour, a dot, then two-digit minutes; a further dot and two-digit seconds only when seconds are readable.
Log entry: 2.03.49
